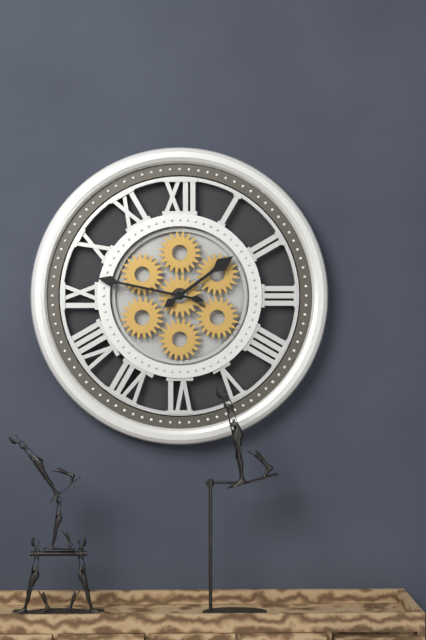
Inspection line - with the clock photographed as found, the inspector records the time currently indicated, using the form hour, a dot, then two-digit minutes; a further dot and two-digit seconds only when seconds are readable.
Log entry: 1.47
